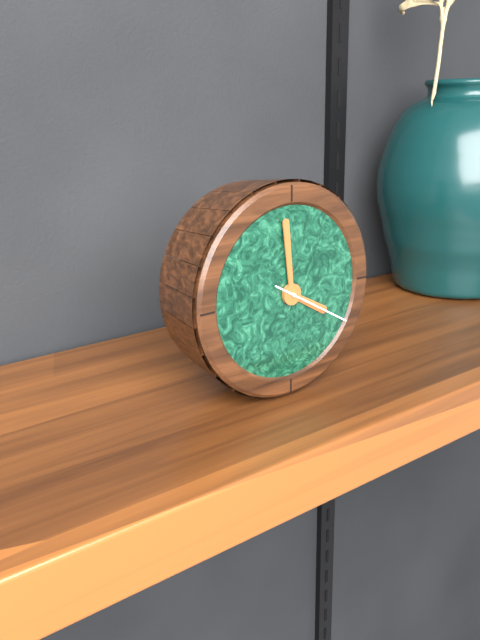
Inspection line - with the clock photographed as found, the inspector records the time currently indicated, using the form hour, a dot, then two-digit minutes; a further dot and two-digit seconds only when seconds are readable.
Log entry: 3.59.20
